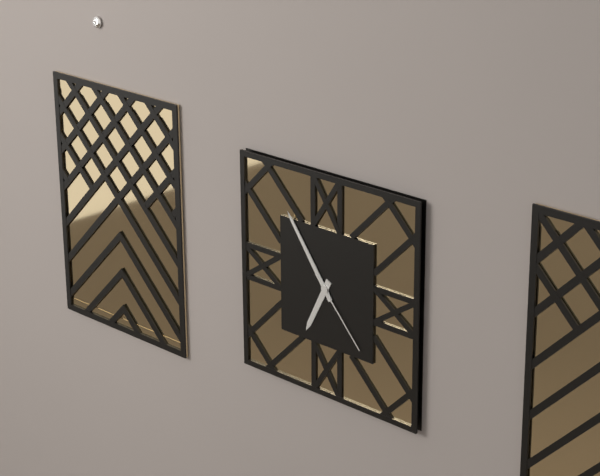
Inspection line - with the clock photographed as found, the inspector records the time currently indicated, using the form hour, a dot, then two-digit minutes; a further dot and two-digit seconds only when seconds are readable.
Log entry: 6.54.23
